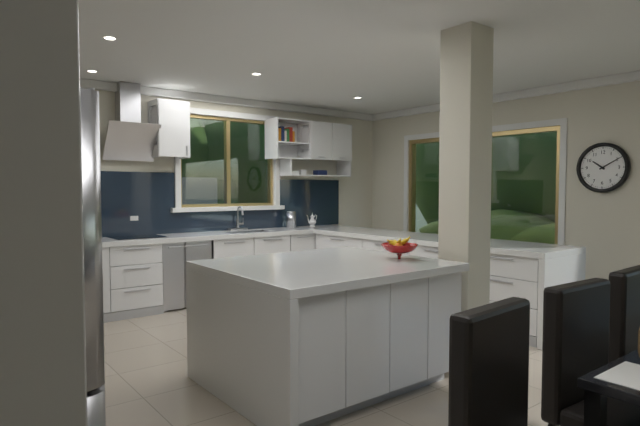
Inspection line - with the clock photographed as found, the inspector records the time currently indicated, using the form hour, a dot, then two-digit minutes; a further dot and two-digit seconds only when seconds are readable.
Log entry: 10.10
